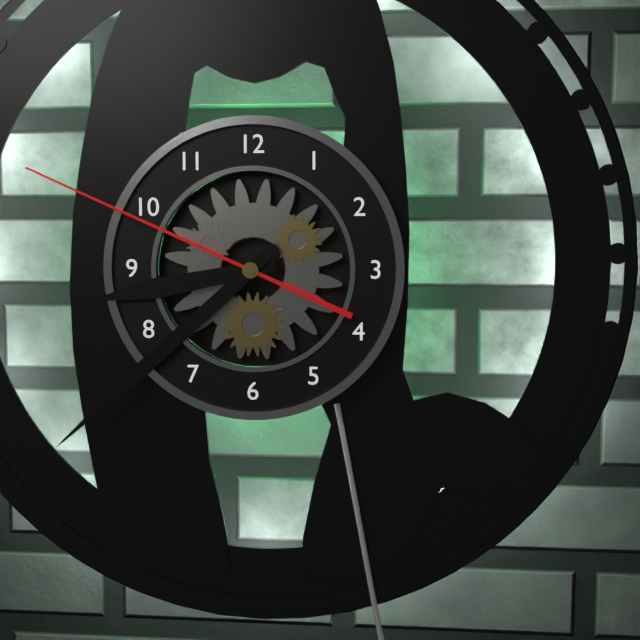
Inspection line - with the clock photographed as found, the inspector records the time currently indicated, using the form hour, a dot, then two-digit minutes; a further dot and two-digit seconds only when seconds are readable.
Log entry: 8.38.49
